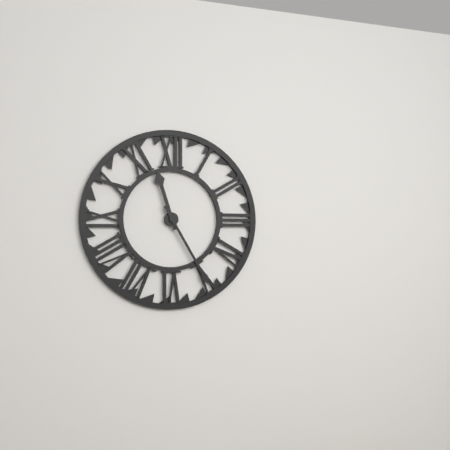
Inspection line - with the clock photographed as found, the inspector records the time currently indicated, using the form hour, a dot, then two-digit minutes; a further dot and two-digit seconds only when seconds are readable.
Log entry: 11.25
